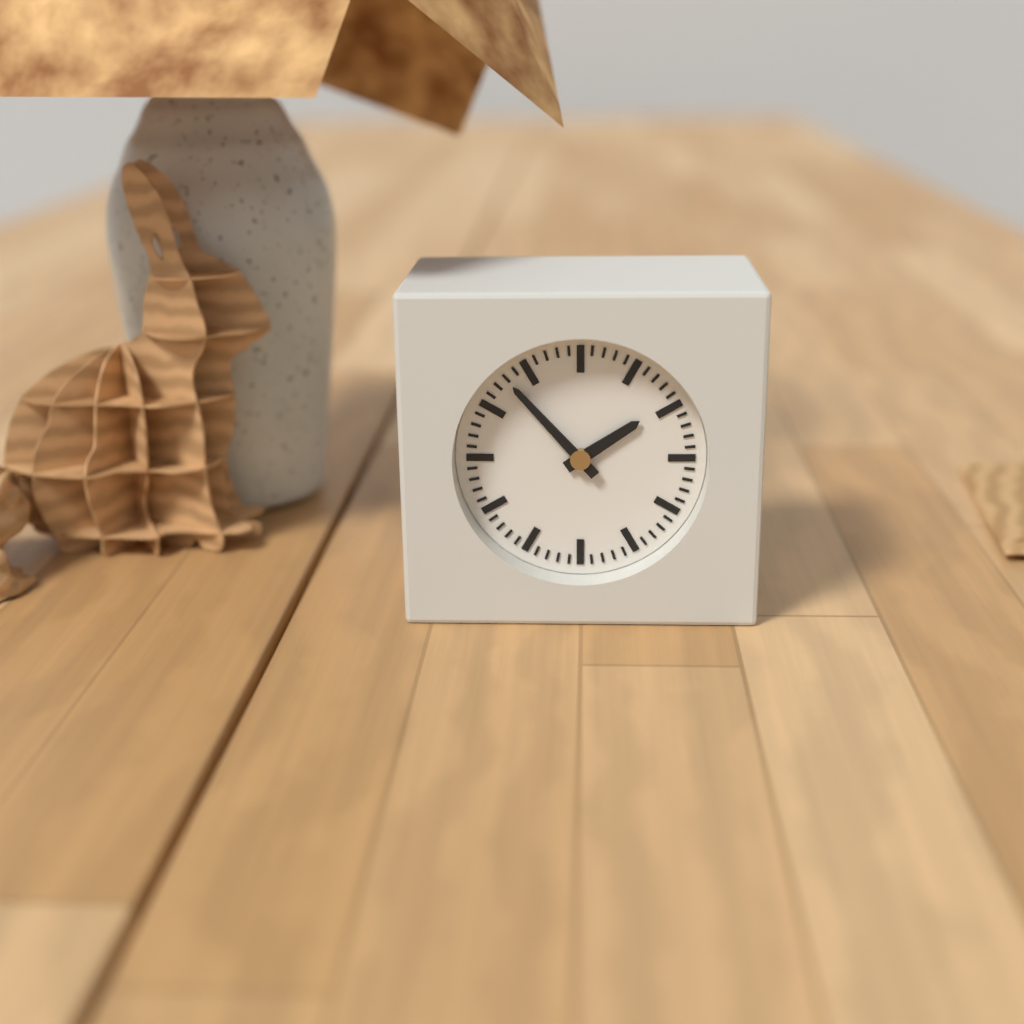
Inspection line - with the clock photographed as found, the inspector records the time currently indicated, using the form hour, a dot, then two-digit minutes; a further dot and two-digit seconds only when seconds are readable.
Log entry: 1.53
